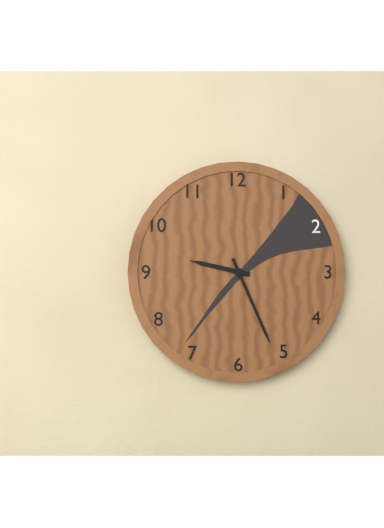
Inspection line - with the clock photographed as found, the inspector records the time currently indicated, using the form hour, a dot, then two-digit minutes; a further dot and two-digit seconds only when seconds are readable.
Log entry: 9.26
